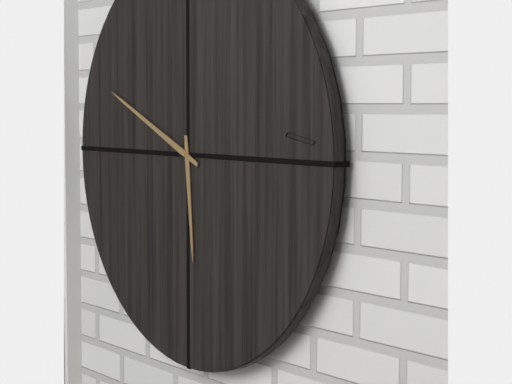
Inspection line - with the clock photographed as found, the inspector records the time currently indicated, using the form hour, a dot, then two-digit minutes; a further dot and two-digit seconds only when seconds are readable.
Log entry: 5.49
